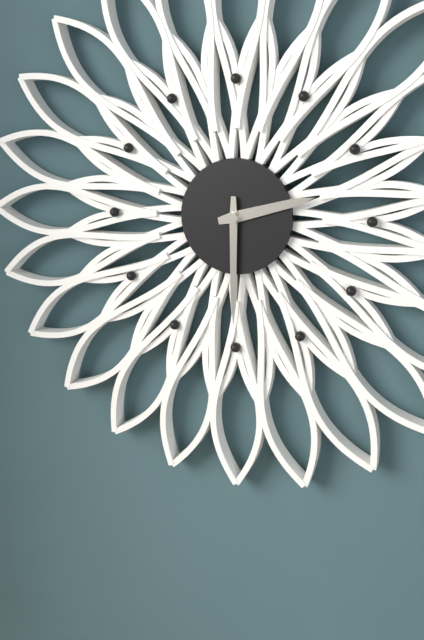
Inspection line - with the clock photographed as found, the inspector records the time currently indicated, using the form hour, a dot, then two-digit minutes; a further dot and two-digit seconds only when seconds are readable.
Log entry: 2.30
